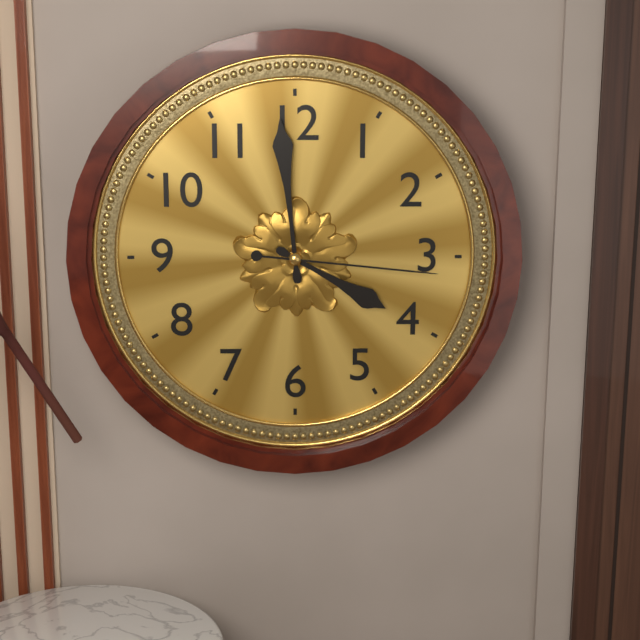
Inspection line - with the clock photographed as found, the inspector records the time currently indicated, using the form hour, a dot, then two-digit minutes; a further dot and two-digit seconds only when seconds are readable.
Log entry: 3.59.16
